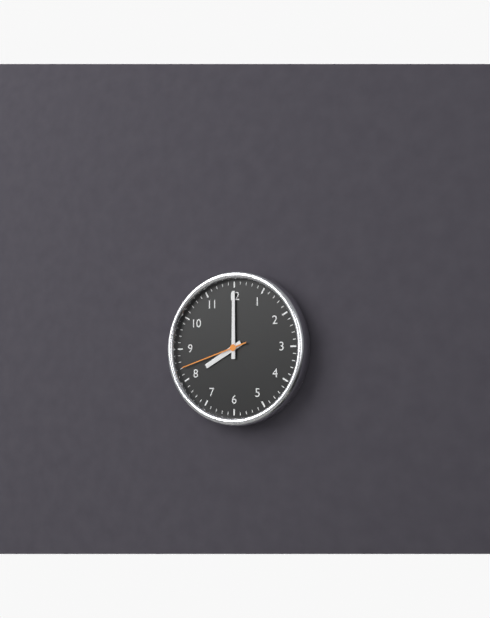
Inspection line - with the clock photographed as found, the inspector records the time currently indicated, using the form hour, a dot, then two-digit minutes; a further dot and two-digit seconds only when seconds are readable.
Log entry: 8.00.42
